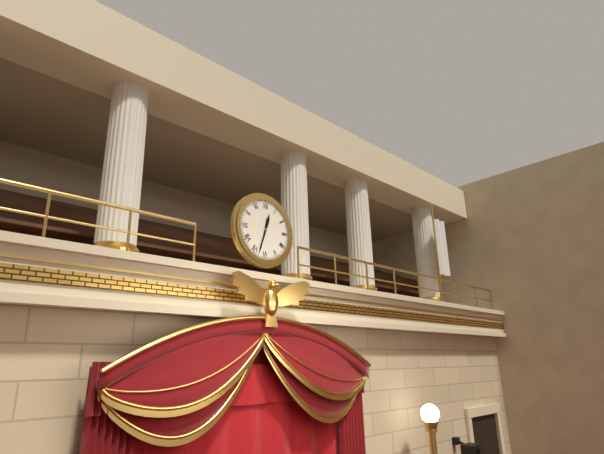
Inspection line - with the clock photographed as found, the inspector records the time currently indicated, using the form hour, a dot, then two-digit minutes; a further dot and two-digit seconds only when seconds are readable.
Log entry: 12.33
